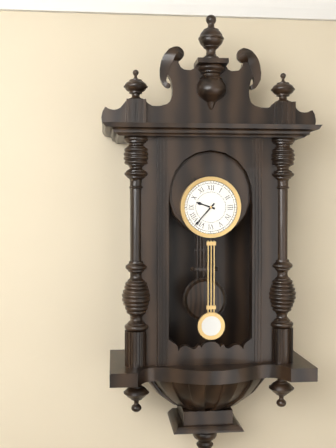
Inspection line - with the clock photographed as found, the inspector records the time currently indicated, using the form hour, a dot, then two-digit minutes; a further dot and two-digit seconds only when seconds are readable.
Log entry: 9.37
